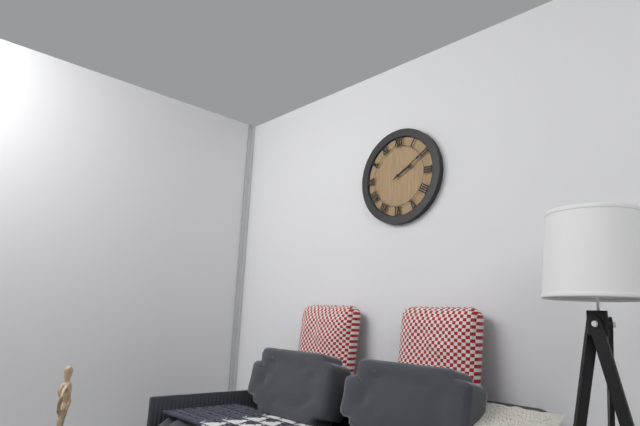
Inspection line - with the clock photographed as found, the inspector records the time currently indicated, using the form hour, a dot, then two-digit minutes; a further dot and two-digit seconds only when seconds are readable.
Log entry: 2.10
